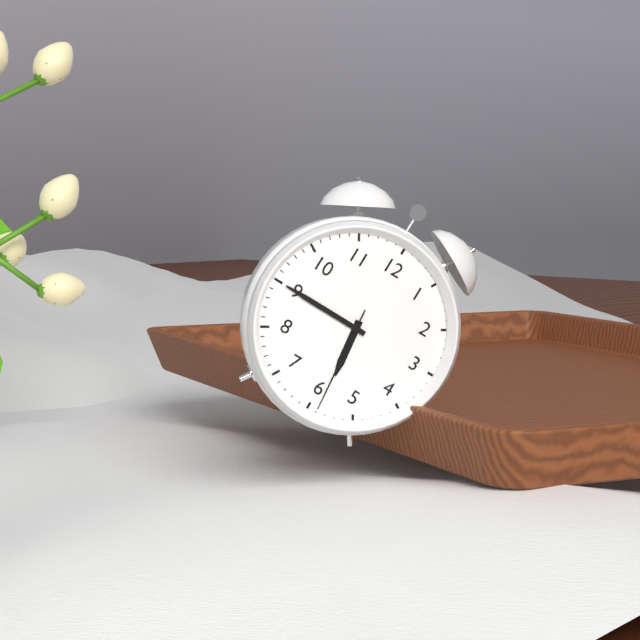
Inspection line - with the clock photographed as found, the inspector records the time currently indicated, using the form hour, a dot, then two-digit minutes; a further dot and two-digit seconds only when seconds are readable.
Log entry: 5.45.29
